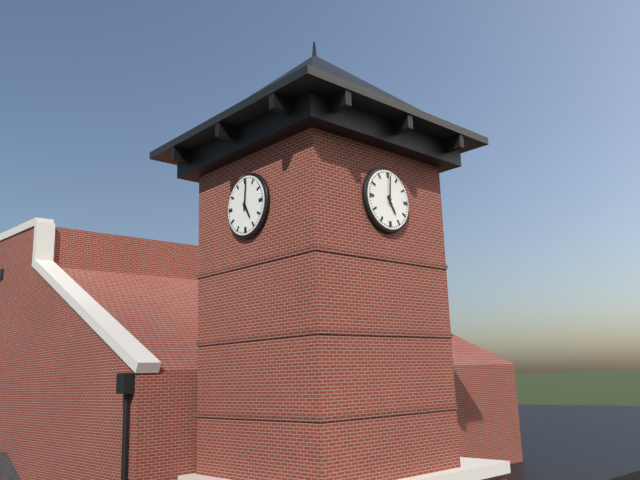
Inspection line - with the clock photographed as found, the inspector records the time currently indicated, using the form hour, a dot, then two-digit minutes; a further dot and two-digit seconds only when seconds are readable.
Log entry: 5.01
